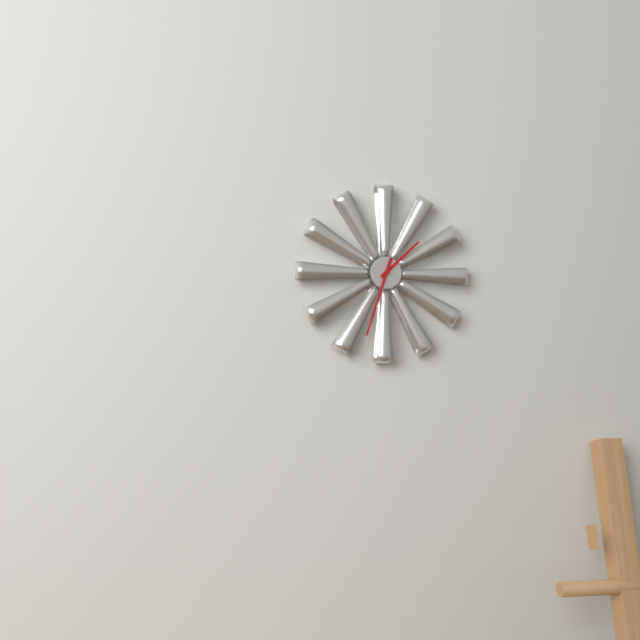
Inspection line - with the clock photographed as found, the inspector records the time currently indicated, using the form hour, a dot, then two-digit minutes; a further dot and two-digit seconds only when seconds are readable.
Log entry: 1.33
